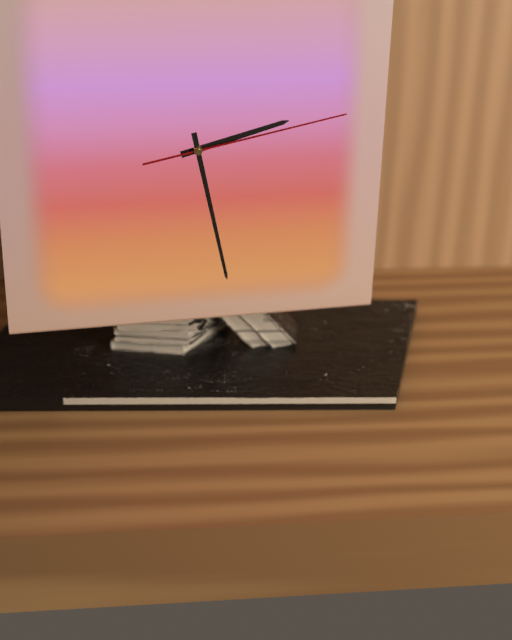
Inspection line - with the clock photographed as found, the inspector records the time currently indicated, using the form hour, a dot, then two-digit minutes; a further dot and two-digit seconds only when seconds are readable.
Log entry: 2.28.13
